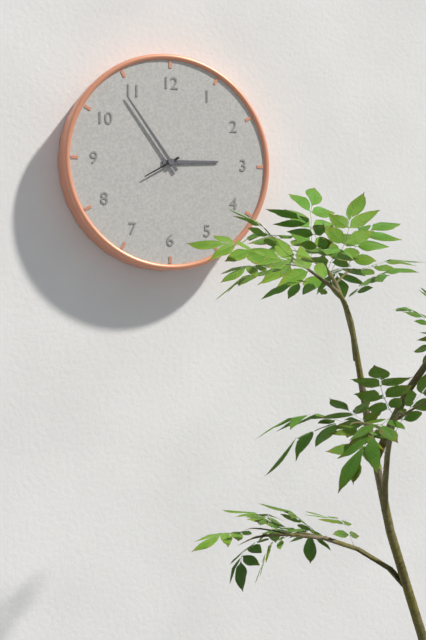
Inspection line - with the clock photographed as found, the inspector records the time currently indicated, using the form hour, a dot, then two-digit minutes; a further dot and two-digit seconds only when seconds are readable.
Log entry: 2.54
